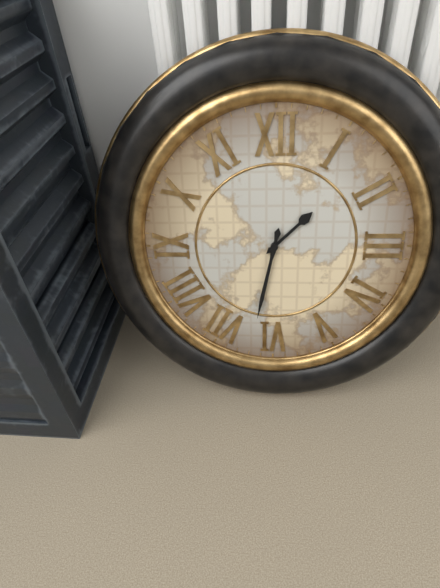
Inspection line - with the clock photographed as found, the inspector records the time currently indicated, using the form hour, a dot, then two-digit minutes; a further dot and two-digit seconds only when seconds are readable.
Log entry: 1.32
